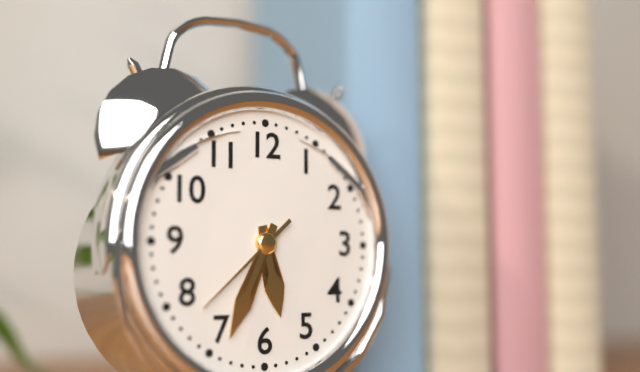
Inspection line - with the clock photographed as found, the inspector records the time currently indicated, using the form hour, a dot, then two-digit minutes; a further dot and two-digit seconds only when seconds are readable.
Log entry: 5.34.38
